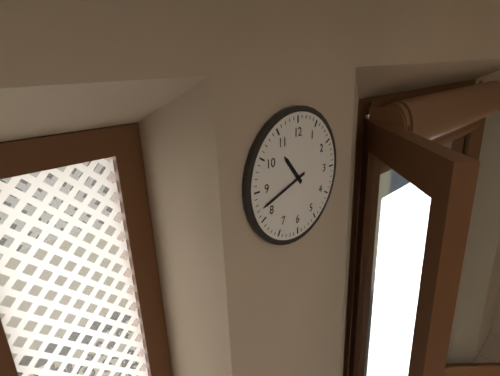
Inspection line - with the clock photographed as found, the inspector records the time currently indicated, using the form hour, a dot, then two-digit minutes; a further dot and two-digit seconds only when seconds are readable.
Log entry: 10.42
